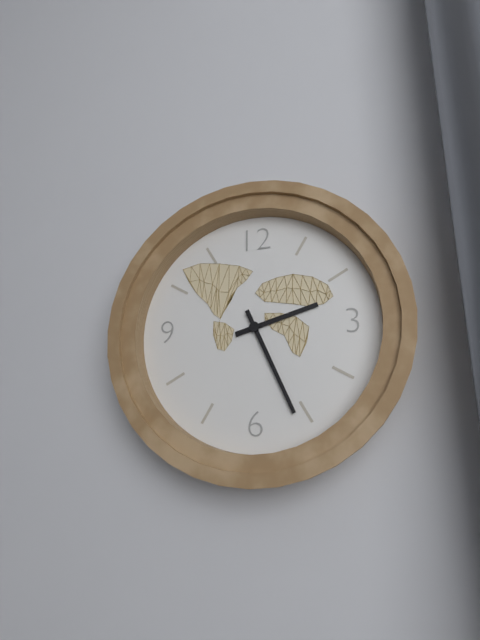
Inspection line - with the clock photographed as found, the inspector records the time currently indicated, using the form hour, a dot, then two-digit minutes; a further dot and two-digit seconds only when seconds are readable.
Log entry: 2.26
